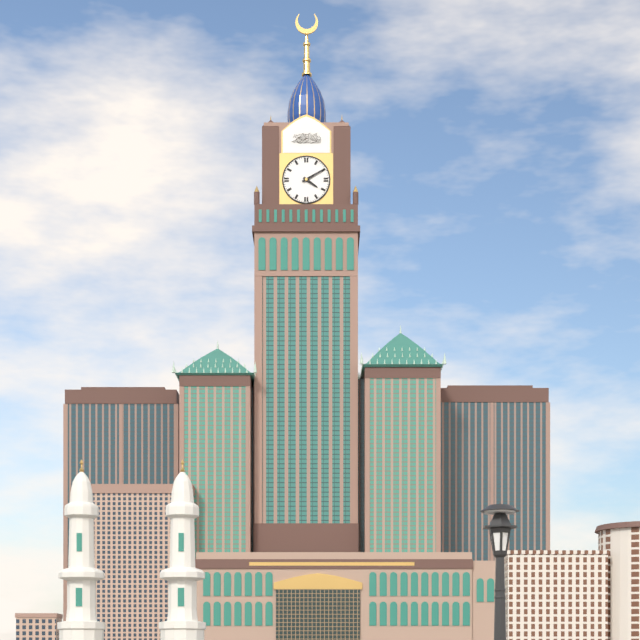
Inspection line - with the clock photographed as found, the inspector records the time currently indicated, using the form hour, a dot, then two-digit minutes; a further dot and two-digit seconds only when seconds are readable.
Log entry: 4.10
